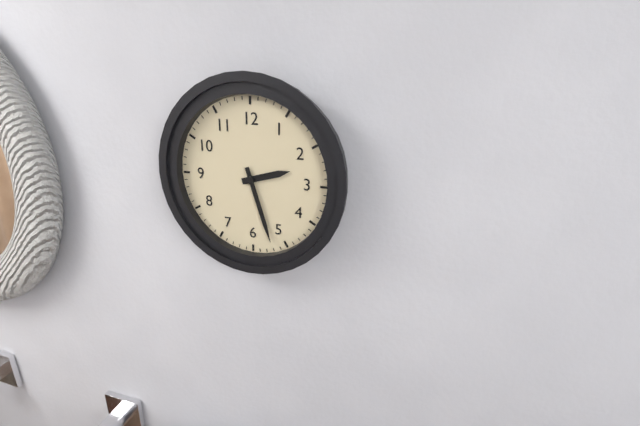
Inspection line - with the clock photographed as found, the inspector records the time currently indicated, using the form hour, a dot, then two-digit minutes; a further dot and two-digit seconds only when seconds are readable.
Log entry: 2.27
